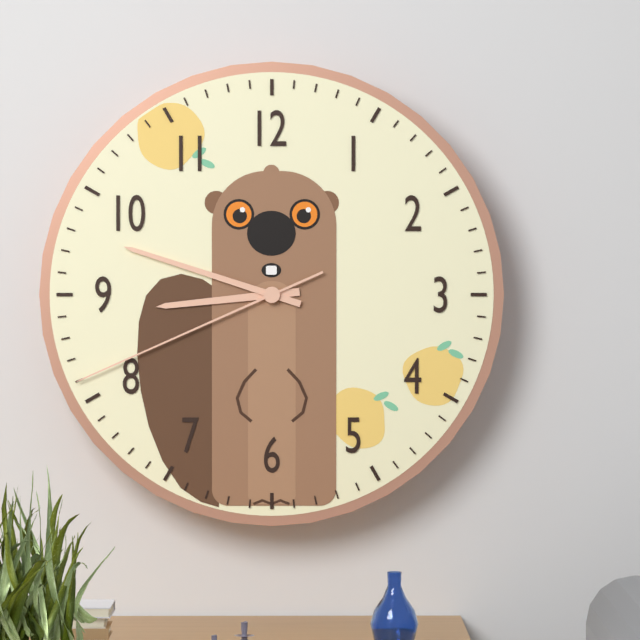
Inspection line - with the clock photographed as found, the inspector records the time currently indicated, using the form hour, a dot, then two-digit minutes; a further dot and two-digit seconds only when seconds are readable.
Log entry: 8.48.41
